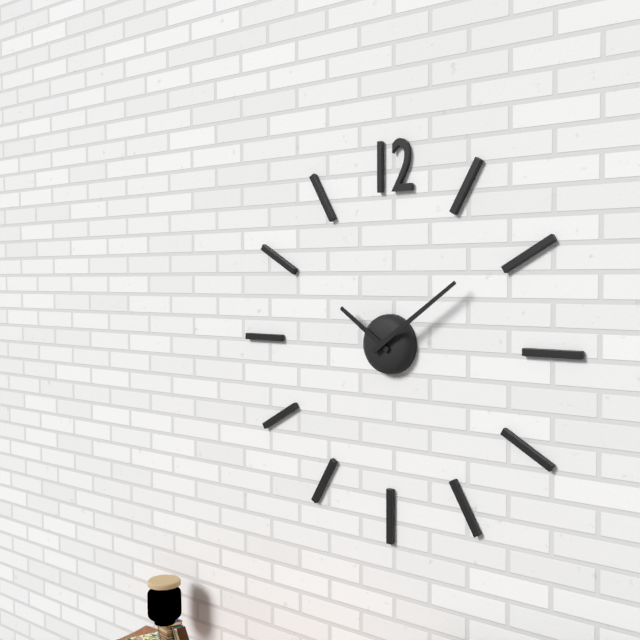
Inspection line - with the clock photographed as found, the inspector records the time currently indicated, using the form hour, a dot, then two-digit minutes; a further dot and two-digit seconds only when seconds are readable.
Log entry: 10.09
